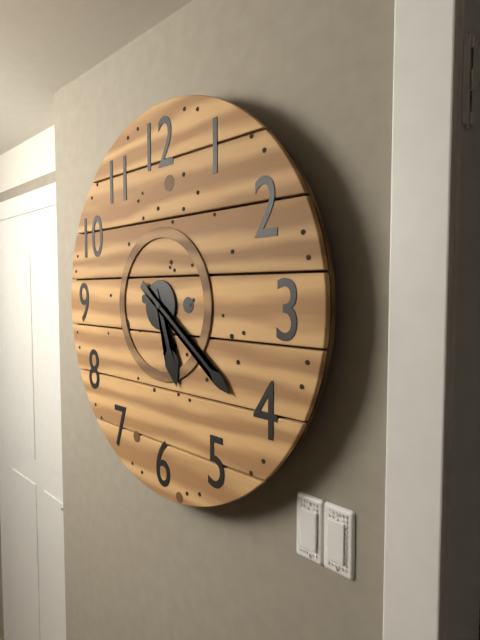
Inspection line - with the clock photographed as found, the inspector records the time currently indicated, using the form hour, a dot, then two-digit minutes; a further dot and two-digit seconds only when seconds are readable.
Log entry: 5.21
